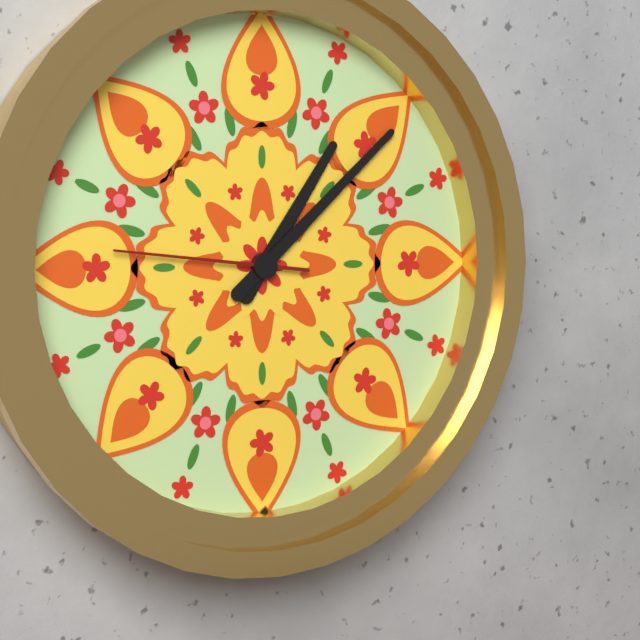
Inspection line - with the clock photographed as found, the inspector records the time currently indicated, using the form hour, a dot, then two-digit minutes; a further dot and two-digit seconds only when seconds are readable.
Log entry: 1.08.46
